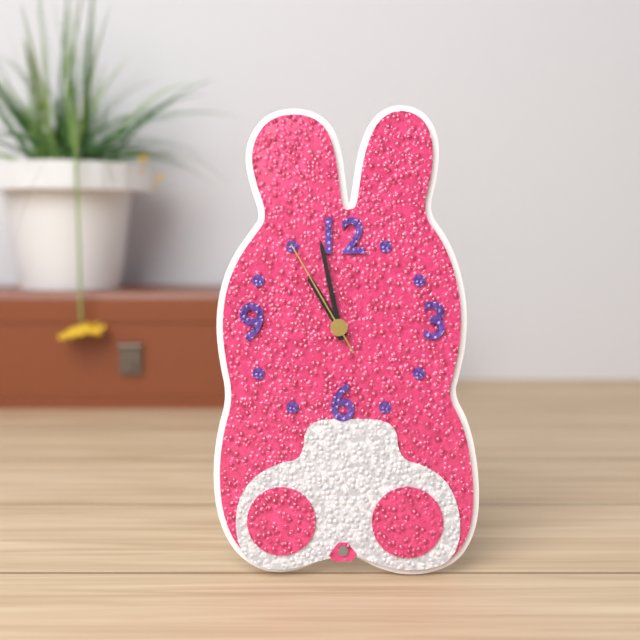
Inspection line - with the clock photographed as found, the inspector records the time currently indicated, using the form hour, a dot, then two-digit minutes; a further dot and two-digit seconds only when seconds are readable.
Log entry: 10.58.55
